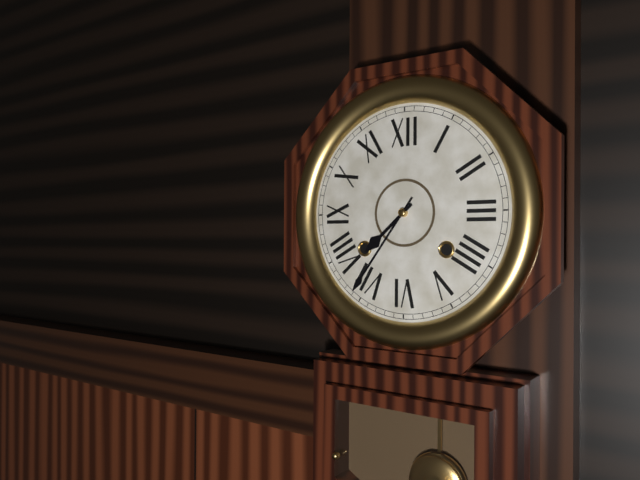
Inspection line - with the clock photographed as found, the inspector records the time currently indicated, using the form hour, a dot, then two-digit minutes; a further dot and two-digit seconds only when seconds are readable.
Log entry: 7.36
